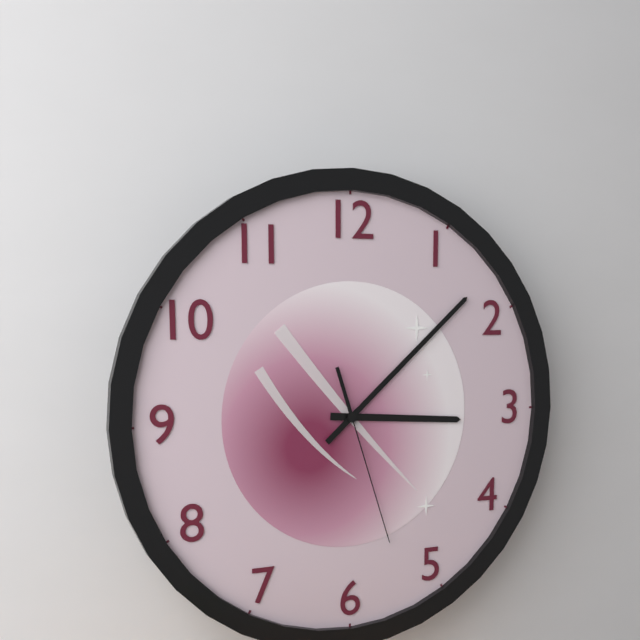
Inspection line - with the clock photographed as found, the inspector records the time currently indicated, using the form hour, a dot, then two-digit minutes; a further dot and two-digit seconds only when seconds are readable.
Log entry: 3.08.27
